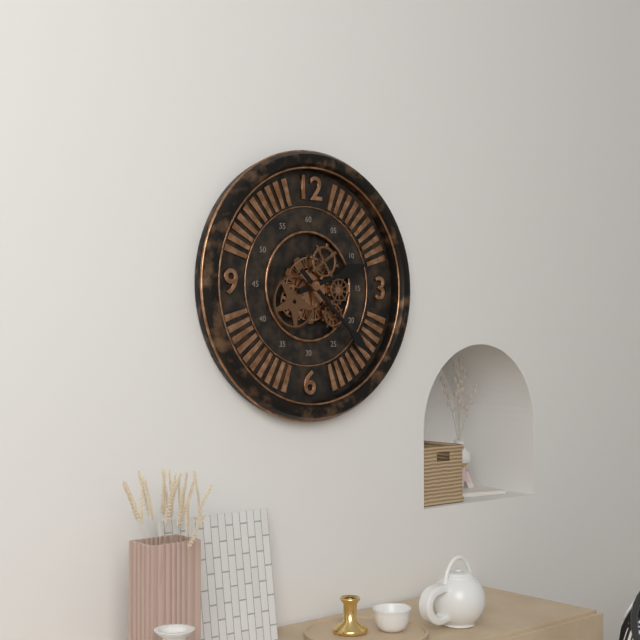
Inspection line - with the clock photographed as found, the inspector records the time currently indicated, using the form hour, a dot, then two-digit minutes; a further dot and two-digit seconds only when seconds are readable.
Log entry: 2.22
